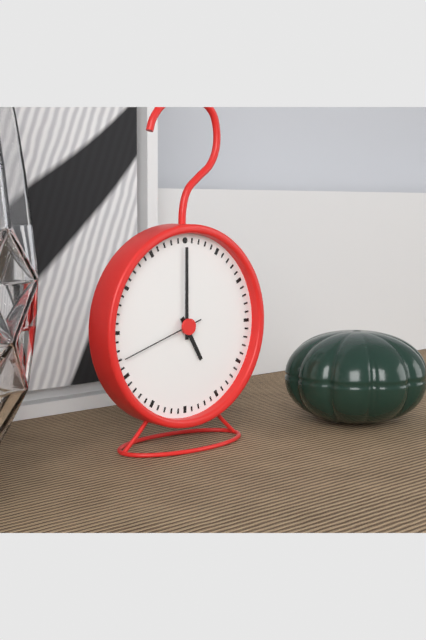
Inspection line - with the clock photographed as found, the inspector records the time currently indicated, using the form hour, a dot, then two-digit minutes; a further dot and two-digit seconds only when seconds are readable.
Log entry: 5.00.42
